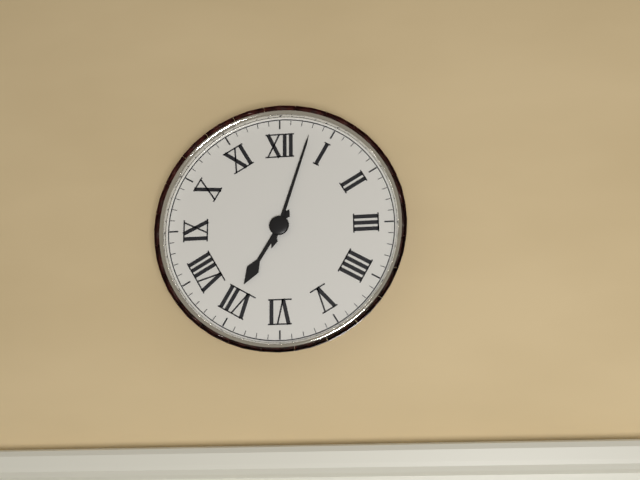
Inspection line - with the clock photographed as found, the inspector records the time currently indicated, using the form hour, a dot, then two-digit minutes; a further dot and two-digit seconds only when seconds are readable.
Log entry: 7.03
